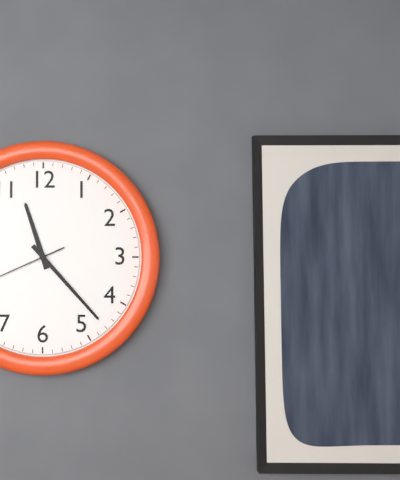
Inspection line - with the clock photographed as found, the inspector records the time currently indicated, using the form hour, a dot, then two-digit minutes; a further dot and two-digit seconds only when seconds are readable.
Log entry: 11.23
